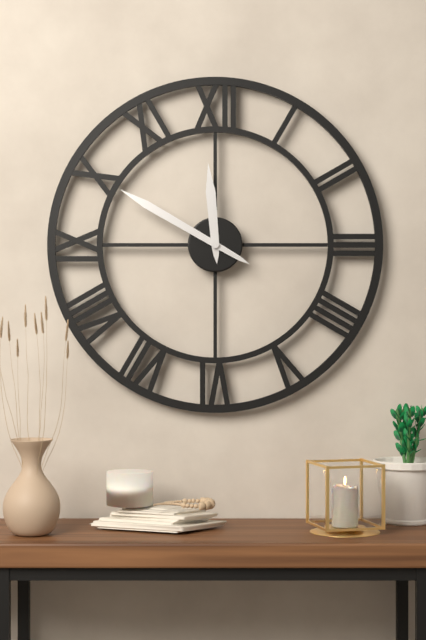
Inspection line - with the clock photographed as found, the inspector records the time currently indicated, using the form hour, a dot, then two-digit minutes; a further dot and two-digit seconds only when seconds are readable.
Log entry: 11.50
